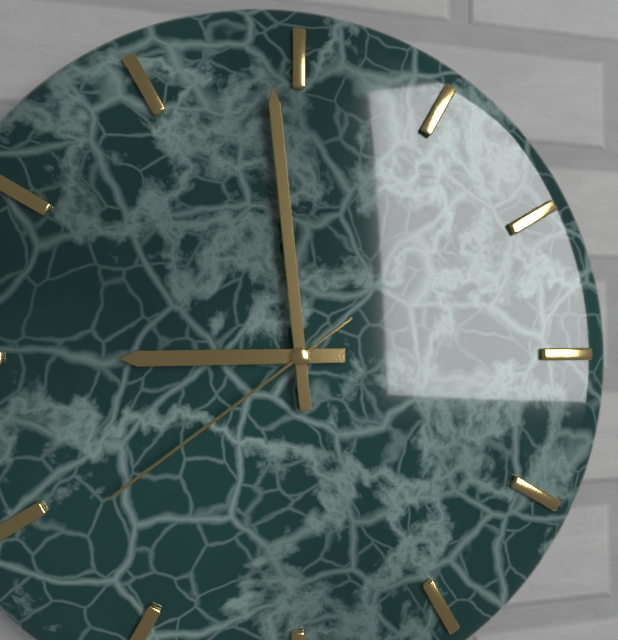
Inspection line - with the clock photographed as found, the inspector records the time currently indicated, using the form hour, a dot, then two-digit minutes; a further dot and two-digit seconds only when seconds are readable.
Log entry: 8.59.39
